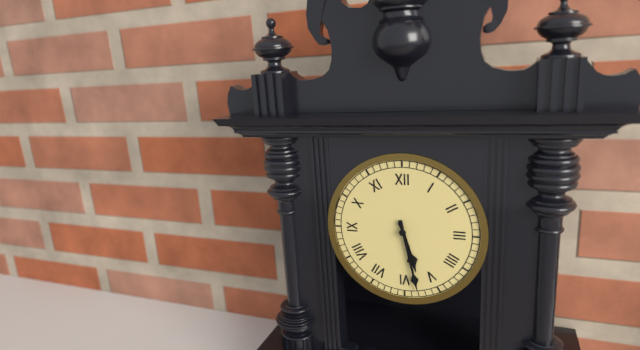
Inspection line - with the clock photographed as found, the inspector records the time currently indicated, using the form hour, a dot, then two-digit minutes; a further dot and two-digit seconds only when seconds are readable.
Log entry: 5.28
